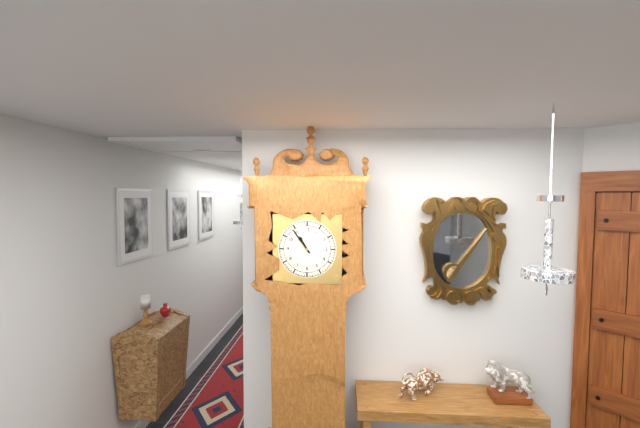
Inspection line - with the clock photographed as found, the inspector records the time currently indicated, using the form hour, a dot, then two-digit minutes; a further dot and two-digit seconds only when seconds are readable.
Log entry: 10.54
